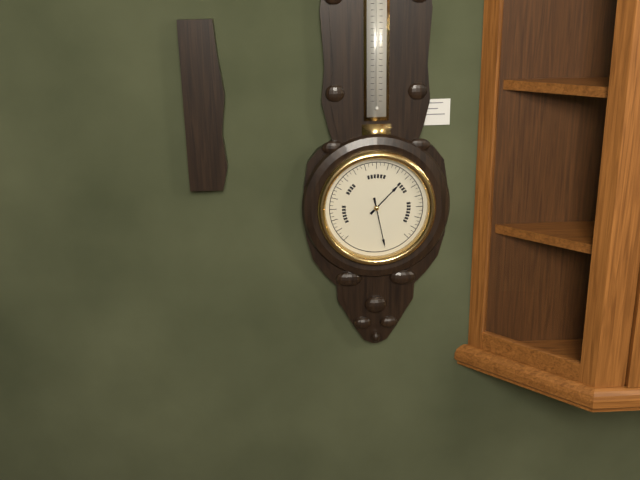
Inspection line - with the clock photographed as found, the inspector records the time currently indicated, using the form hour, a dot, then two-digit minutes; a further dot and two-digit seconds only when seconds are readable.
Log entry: 1.28
